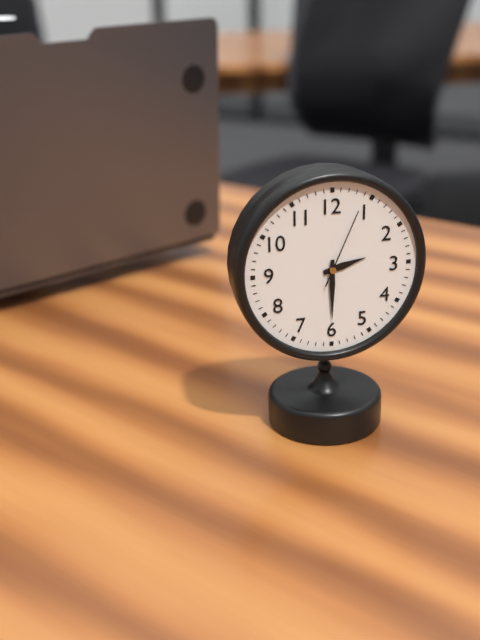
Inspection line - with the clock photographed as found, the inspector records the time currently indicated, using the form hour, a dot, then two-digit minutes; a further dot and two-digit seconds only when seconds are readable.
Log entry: 2.30.04
